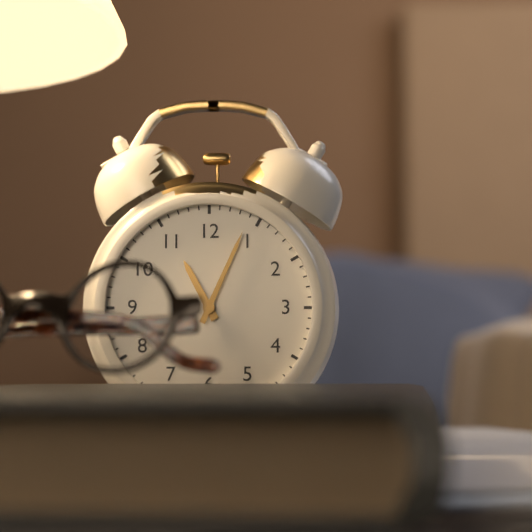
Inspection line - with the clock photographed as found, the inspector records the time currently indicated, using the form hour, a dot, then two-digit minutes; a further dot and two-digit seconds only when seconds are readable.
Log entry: 11.04
